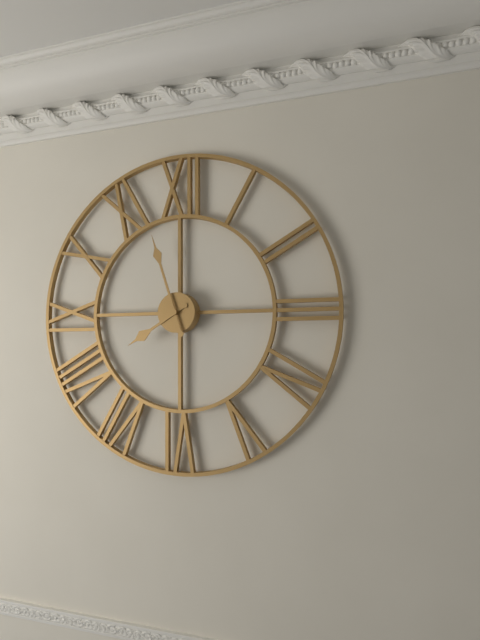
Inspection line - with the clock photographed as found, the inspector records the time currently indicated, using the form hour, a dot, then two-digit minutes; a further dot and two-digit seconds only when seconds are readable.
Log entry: 7.57
